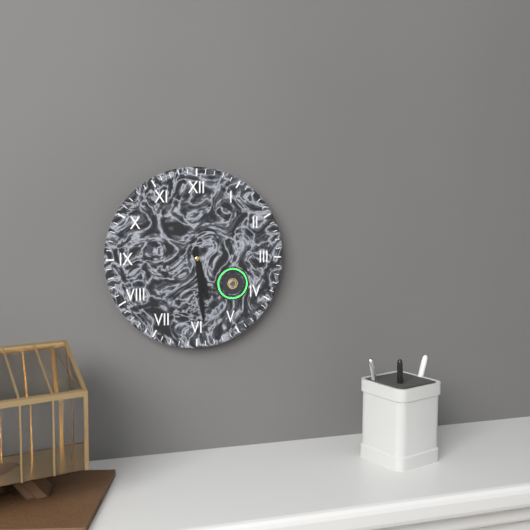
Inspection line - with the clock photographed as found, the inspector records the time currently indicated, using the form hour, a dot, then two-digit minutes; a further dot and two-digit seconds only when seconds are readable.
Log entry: 5.29
